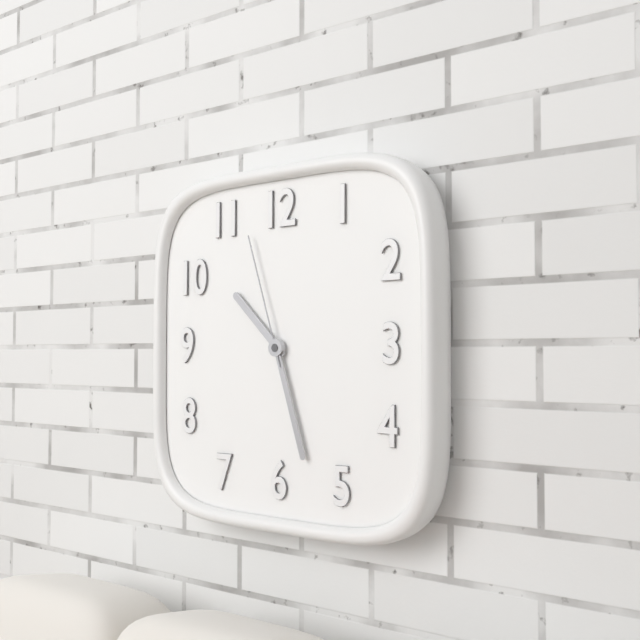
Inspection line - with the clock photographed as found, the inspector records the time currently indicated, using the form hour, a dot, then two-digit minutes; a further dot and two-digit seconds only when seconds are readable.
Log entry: 10.27.57
